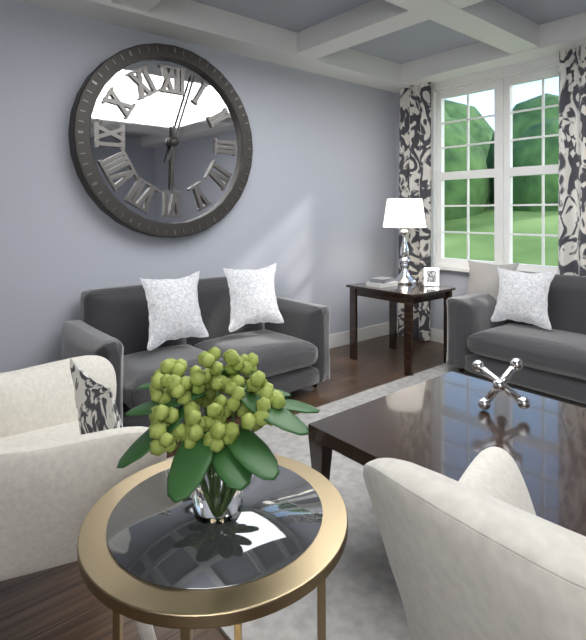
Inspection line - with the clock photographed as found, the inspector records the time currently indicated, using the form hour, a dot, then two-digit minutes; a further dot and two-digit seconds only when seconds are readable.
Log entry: 6.03
